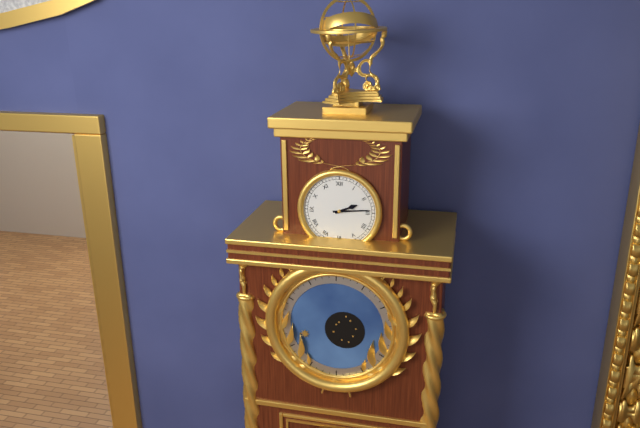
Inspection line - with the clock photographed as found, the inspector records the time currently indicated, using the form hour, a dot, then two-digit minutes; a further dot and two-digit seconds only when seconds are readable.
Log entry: 2.14
